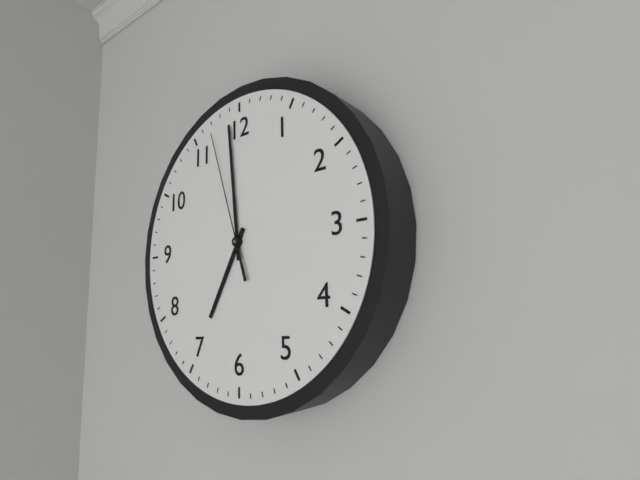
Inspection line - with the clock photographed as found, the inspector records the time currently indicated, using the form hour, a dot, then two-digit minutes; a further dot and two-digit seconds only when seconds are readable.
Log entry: 6.59.57
